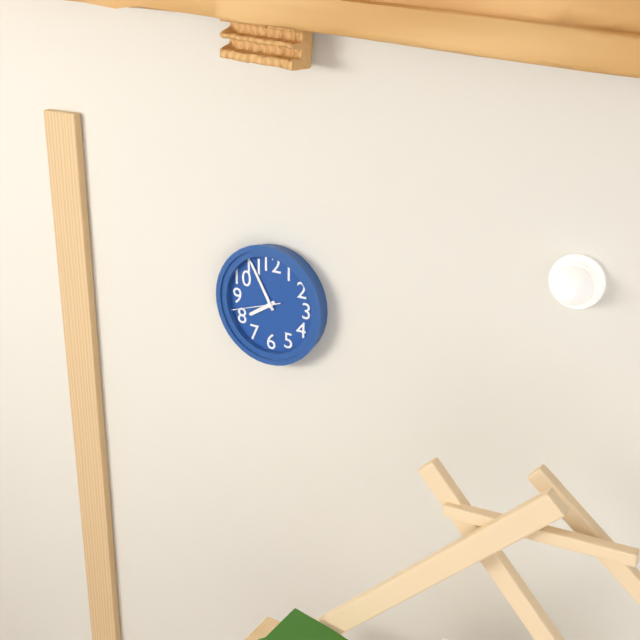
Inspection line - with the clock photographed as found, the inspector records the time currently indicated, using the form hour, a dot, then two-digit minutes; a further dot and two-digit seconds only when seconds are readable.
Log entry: 7.55.42
